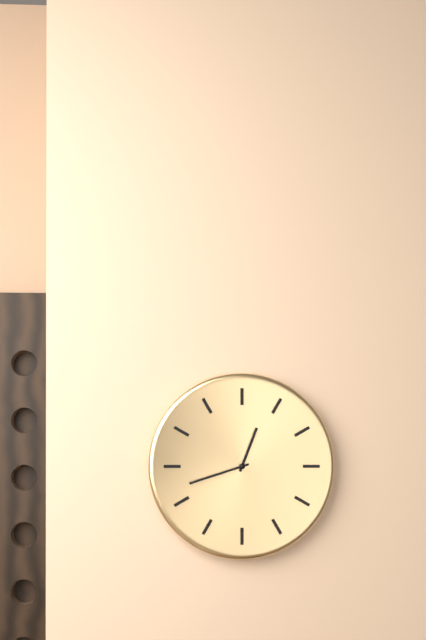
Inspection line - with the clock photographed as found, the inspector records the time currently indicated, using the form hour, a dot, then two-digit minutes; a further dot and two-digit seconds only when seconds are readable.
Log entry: 12.42
